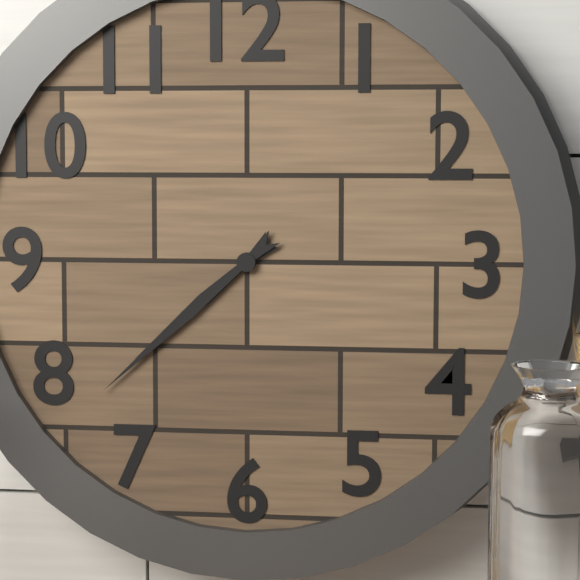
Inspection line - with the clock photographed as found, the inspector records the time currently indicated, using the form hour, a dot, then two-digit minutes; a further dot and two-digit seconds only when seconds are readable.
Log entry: 7.38
